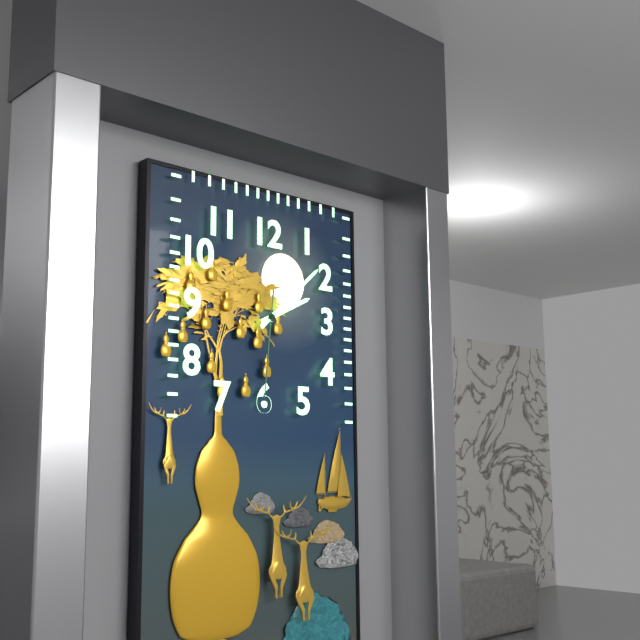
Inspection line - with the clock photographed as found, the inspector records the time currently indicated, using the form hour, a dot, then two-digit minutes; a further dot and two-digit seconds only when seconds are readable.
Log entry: 2.08.31
